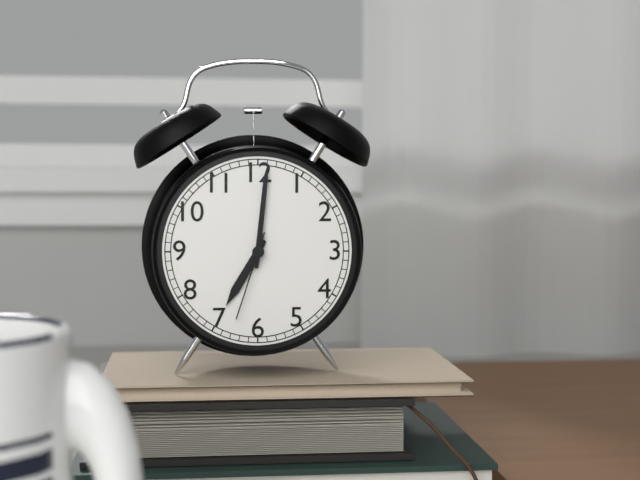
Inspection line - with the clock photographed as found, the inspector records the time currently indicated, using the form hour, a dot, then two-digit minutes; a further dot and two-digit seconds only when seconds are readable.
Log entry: 7.01.33
